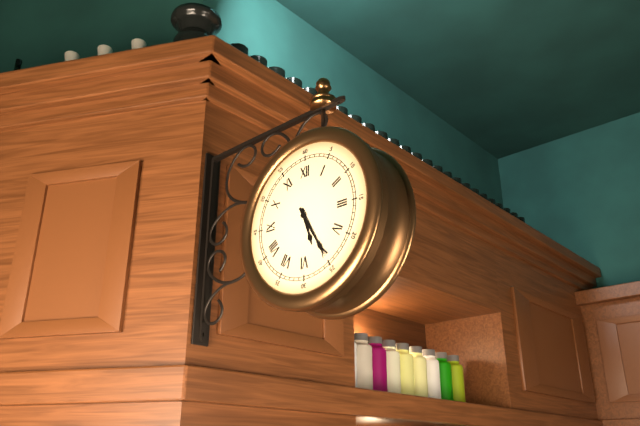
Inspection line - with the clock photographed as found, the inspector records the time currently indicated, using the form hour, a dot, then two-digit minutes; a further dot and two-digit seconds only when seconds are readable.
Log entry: 5.25
